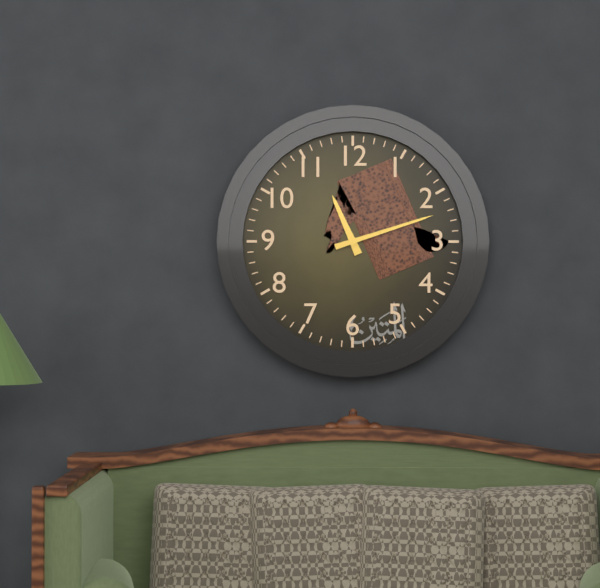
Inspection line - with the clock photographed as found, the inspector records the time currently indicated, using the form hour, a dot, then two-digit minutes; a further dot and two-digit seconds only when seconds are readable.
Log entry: 11.12
